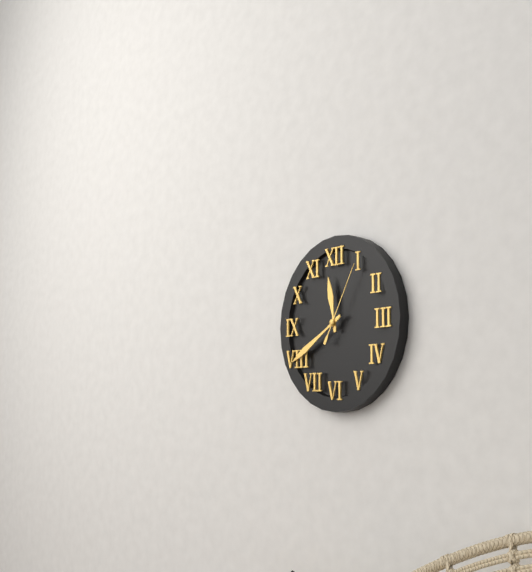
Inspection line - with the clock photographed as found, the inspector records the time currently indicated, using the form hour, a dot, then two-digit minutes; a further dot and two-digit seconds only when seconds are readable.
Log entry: 11.40.05
